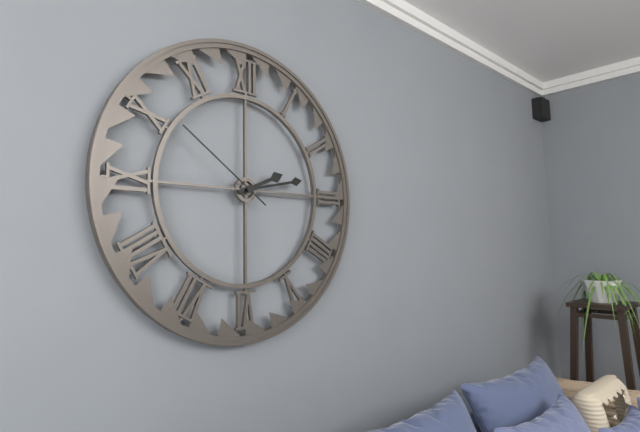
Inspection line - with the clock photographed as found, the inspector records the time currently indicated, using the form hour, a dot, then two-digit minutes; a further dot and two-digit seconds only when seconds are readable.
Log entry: 2.13.51
